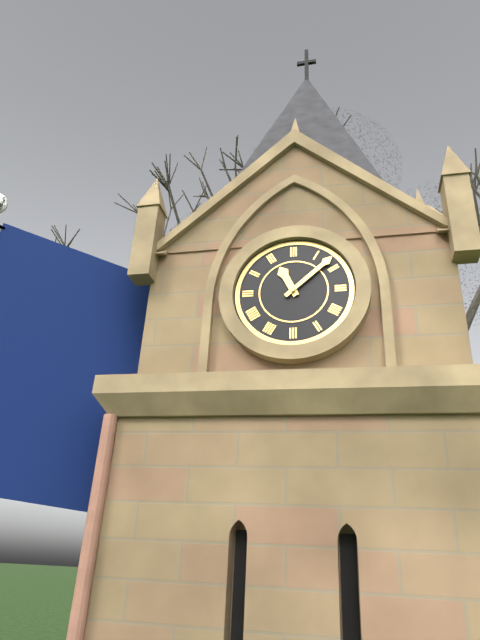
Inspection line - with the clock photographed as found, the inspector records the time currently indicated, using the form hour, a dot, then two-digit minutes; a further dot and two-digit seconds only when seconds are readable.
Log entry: 11.08
